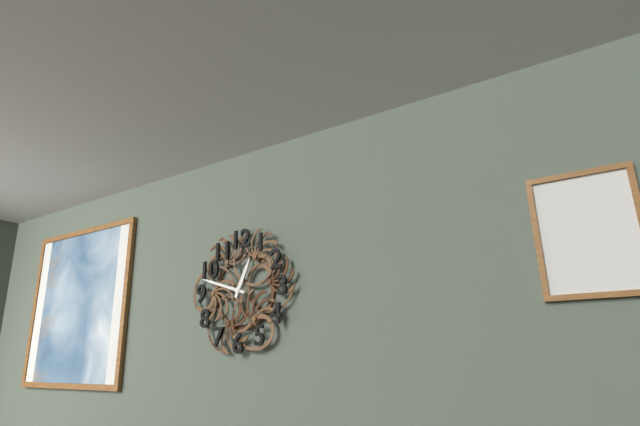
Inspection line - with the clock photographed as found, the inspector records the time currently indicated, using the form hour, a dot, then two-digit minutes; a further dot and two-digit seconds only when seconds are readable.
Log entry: 12.48
